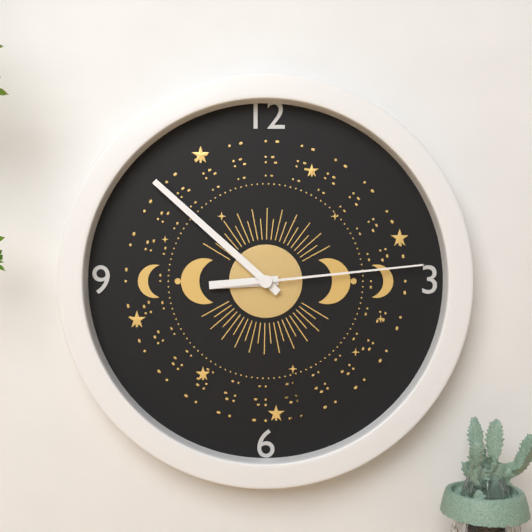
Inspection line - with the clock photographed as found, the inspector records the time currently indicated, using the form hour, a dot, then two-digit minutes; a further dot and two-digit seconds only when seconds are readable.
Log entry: 8.52.14
